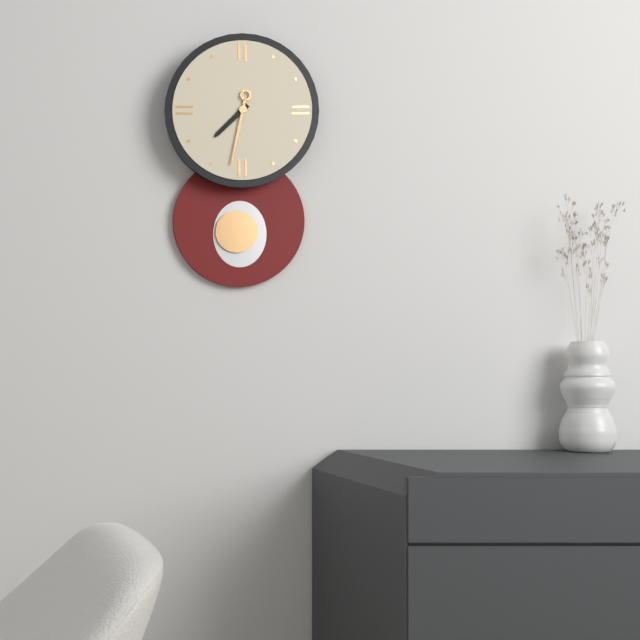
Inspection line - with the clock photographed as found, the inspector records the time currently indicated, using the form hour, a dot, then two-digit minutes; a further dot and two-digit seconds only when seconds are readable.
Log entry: 7.32
